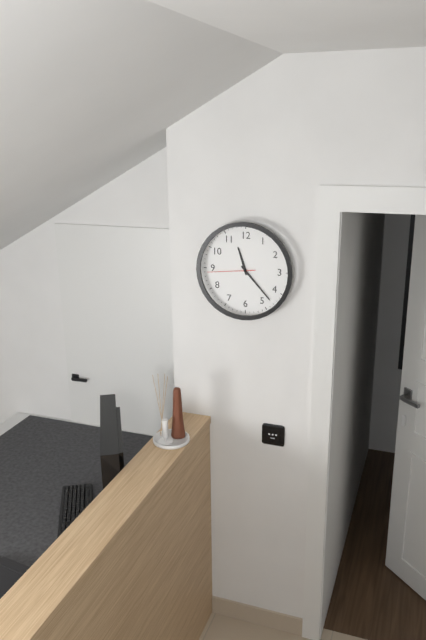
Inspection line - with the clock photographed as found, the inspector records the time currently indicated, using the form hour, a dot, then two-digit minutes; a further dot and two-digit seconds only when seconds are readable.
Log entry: 11.23
